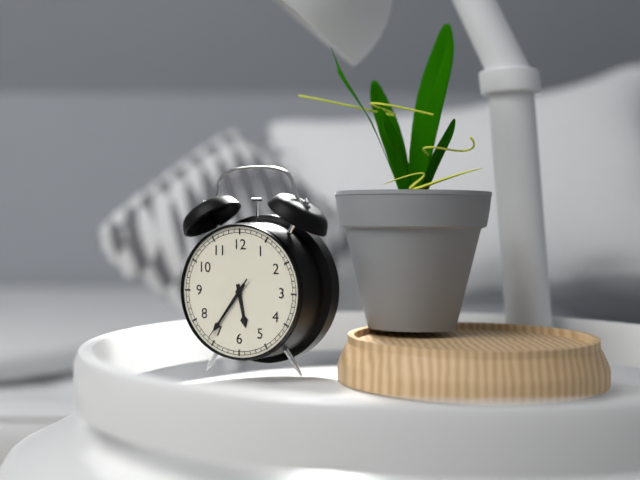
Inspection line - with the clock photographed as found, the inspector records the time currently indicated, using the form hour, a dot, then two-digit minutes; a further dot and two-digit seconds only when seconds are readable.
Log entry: 5.36.36
